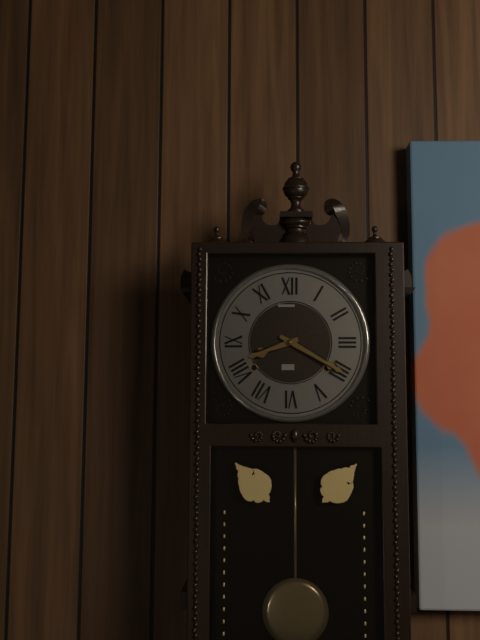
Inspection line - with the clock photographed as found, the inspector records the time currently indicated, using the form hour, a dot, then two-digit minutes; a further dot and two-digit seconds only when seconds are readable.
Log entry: 8.20
